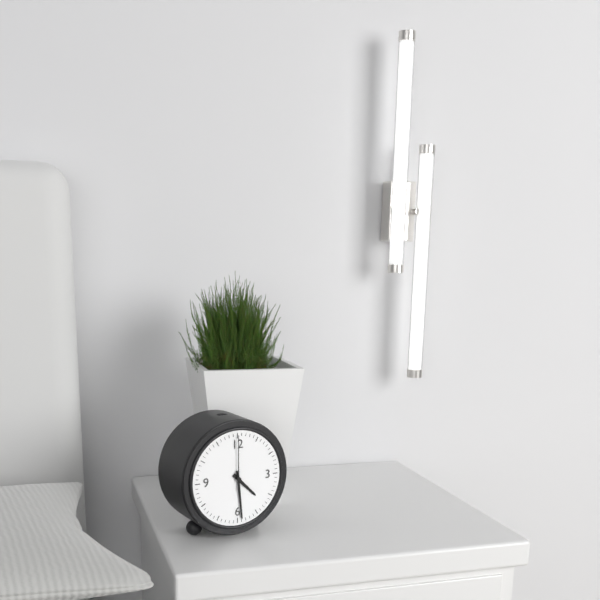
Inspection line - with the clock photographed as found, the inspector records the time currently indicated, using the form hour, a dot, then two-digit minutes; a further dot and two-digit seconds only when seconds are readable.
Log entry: 4.29.00
